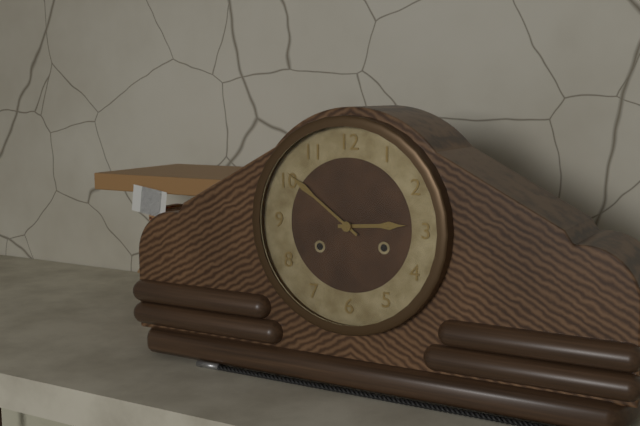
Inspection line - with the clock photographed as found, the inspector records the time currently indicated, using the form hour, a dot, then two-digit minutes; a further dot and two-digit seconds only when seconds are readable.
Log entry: 2.51
